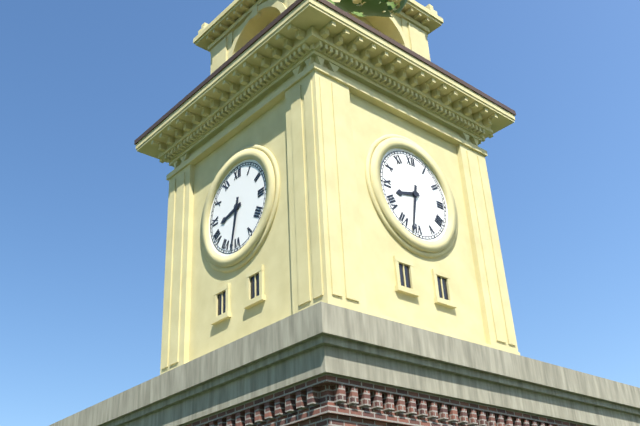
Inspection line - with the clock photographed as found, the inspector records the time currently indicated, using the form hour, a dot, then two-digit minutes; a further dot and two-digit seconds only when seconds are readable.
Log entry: 8.32
